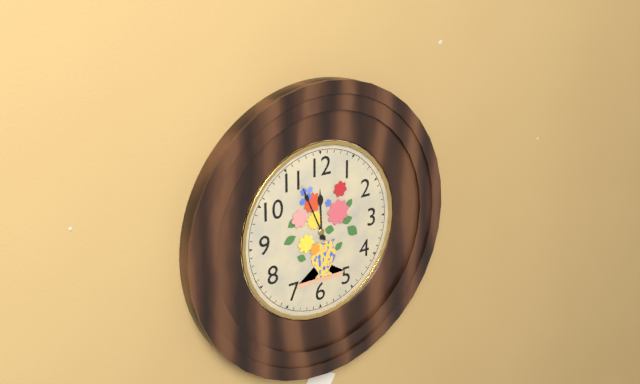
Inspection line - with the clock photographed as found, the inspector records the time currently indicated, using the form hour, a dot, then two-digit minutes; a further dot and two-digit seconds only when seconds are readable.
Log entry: 11.56
